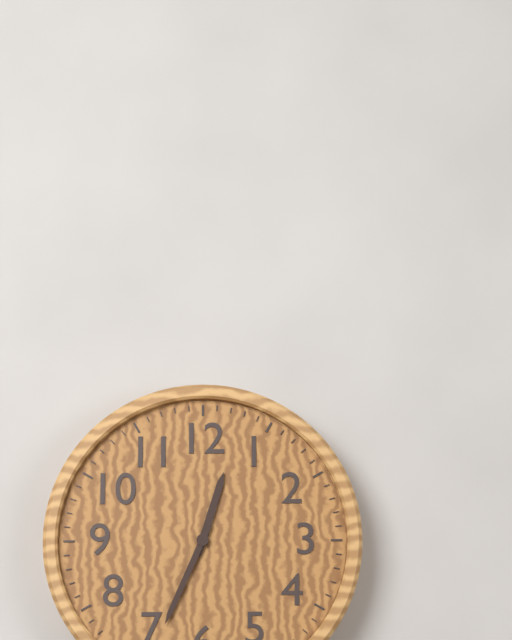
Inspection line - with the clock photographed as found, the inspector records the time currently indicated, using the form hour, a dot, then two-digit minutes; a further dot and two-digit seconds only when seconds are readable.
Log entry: 12.34
